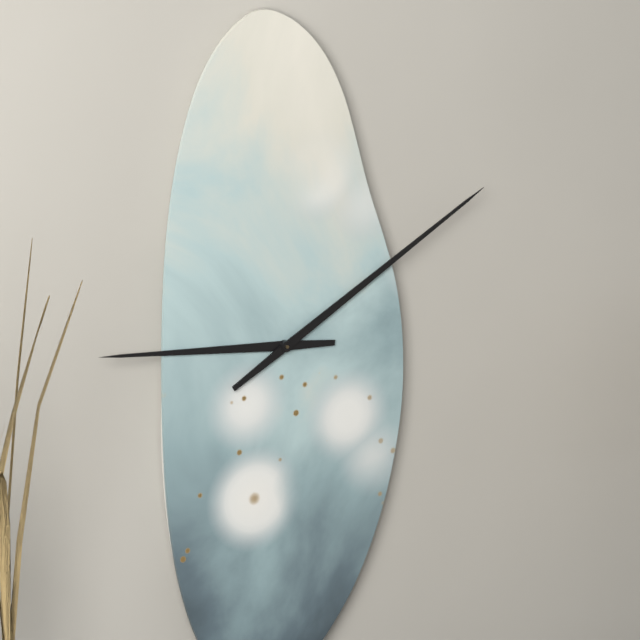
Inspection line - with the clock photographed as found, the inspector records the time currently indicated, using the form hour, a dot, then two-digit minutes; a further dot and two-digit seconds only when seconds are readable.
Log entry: 9.10
